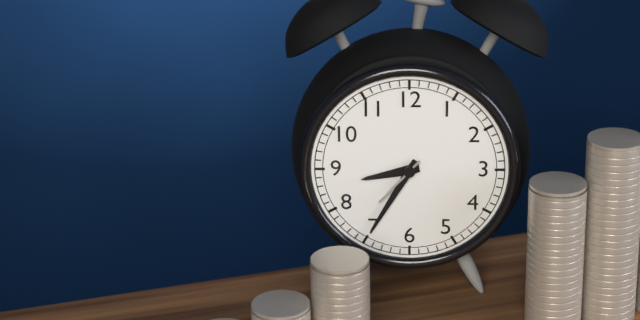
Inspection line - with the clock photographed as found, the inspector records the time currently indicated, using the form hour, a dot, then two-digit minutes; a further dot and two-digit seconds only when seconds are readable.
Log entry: 8.35.37
